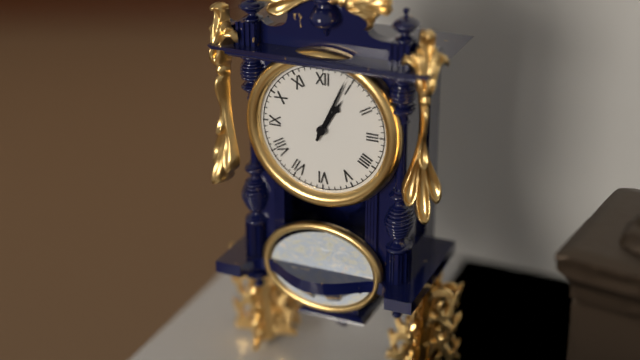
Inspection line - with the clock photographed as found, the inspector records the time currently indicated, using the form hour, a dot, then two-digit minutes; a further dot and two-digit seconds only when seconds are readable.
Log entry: 1.04
